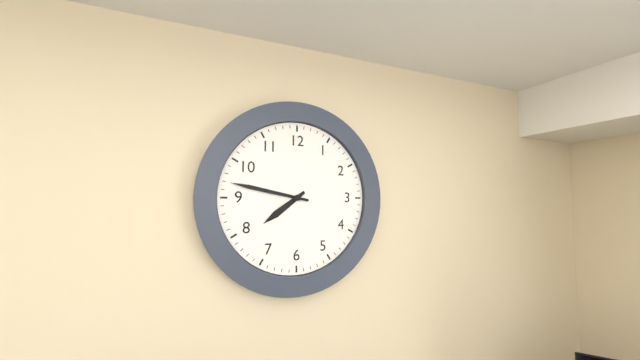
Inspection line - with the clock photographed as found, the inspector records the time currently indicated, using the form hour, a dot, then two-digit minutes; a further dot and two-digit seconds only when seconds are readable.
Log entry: 7.47
